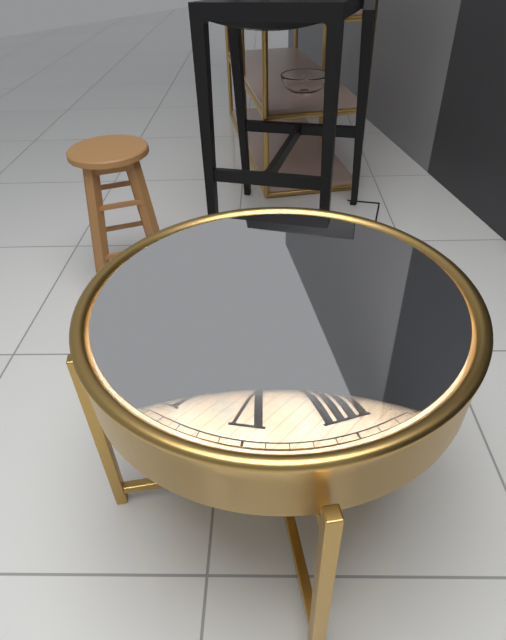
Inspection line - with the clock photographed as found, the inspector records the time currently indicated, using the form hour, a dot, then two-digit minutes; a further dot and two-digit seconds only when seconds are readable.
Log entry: 10.37
